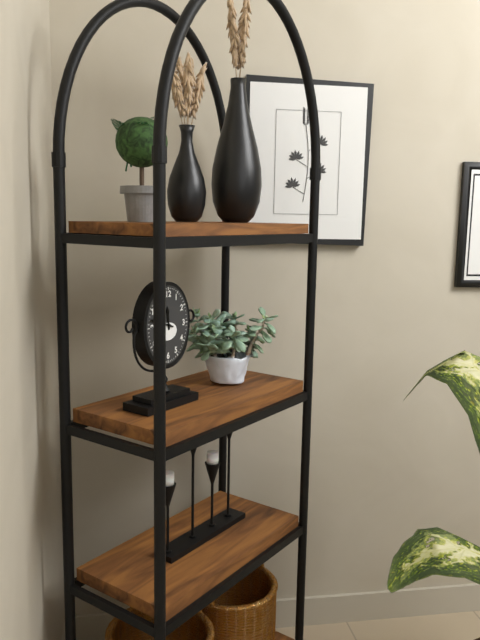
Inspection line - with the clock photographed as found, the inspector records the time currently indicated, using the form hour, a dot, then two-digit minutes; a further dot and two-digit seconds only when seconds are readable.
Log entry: 11.48
